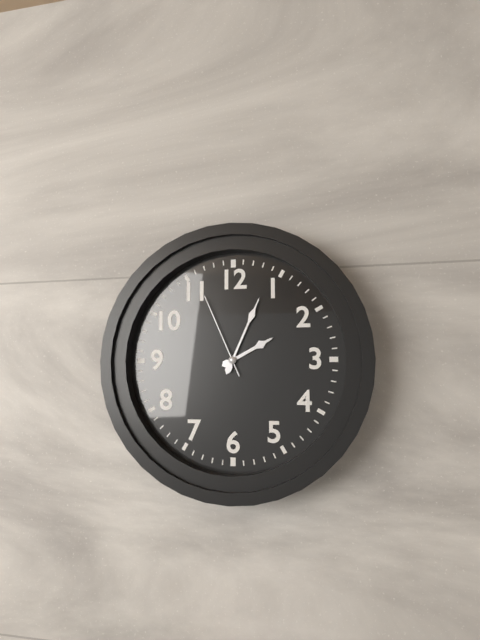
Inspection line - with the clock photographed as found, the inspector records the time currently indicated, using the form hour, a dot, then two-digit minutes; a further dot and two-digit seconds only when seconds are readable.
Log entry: 2.04.56
